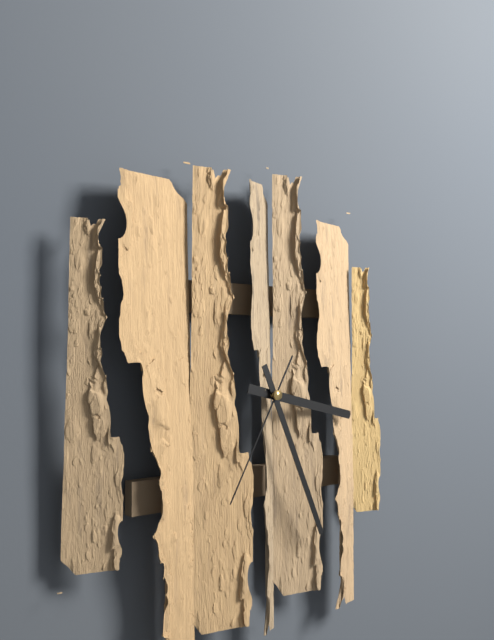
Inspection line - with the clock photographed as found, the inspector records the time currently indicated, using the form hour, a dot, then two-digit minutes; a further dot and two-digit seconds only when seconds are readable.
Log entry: 3.26.35
